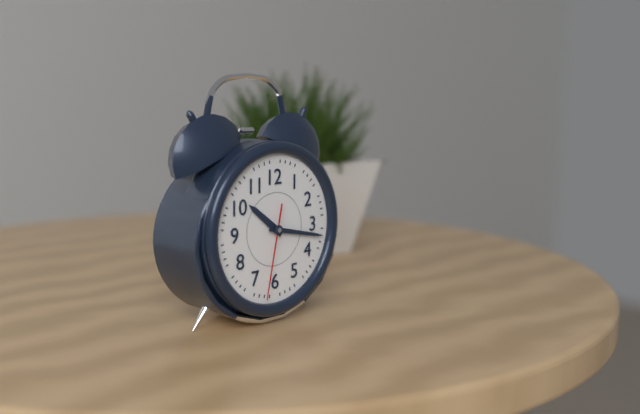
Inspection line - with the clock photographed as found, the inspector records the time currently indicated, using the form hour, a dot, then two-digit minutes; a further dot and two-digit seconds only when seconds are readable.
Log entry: 10.17.32
